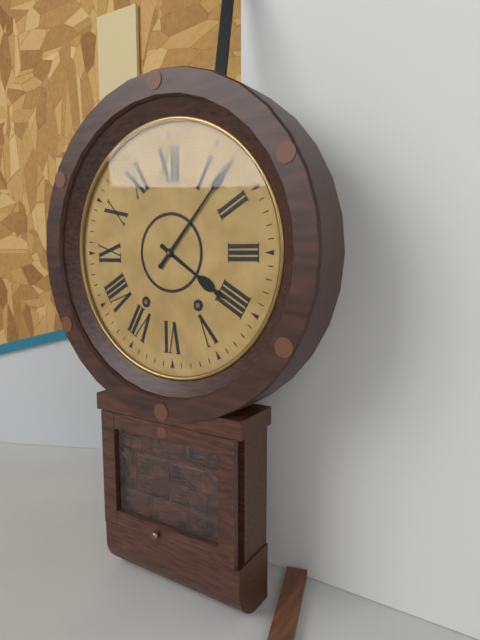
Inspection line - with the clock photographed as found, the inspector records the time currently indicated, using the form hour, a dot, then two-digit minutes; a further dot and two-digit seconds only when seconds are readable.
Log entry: 4.07
